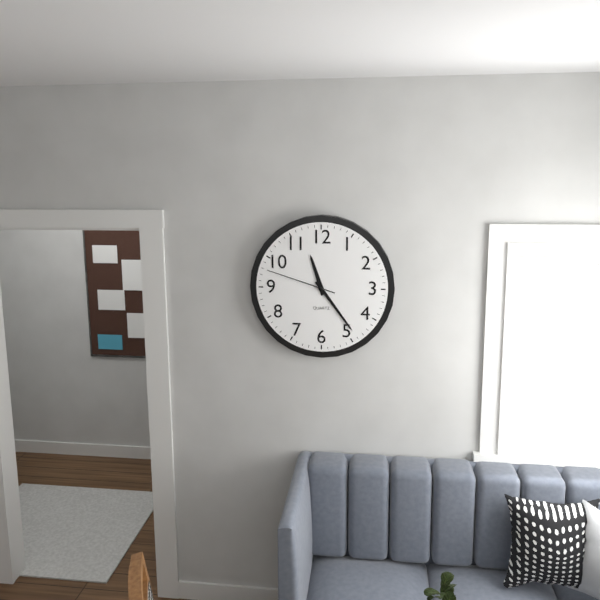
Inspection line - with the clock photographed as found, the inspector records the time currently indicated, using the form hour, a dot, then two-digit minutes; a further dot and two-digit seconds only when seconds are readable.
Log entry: 11.24.48
